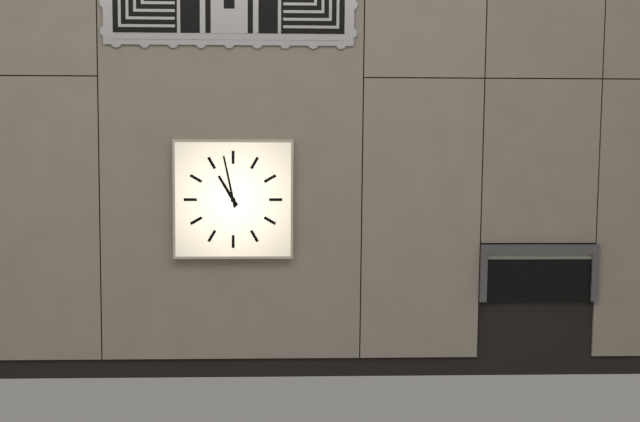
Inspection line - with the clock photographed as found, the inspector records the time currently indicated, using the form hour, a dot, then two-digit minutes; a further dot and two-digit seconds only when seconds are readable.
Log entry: 10.58
